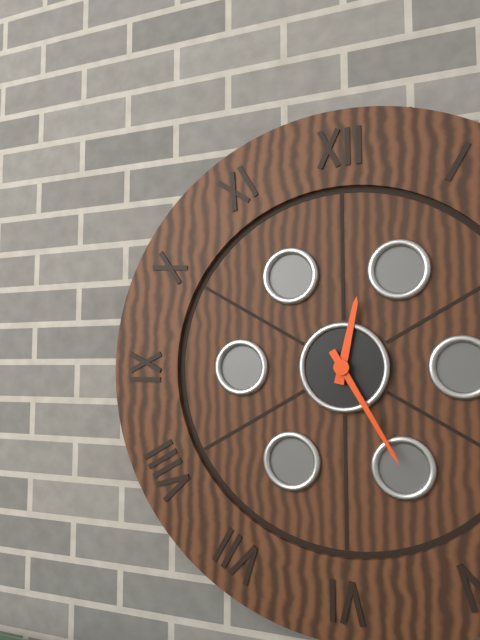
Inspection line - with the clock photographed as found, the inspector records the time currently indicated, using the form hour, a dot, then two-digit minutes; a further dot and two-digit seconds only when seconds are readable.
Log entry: 12.25
